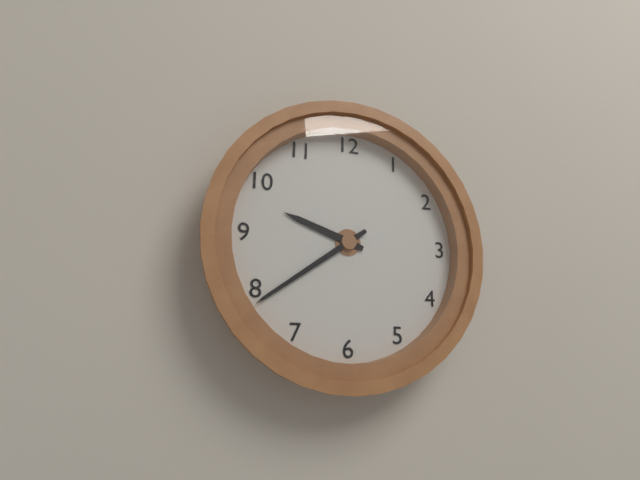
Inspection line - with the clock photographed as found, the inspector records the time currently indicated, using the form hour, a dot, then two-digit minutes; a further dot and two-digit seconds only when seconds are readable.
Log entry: 9.39
